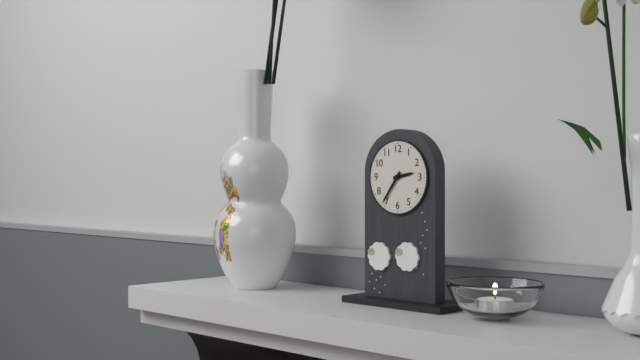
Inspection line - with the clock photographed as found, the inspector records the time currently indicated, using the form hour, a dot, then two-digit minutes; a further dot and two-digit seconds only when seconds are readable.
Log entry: 2.36
